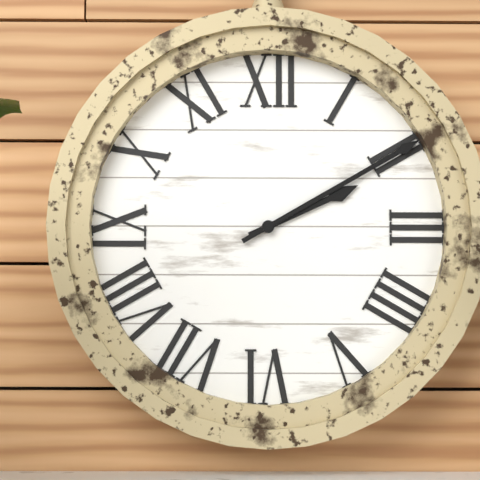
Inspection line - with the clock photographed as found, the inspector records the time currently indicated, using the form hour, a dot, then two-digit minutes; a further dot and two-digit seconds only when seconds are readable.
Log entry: 2.10
